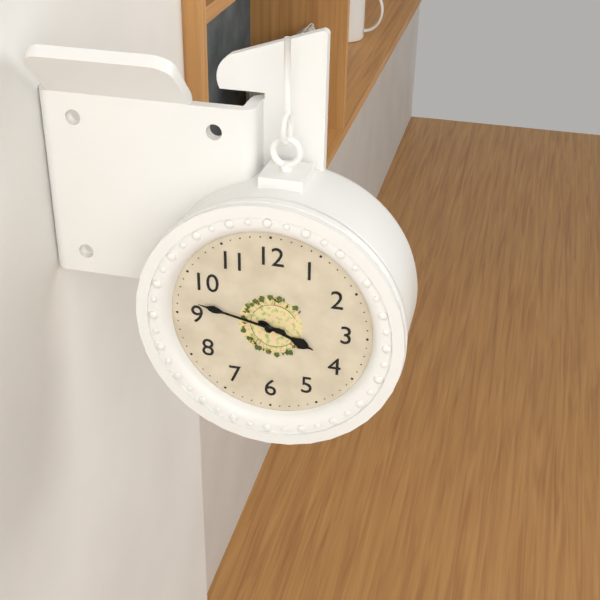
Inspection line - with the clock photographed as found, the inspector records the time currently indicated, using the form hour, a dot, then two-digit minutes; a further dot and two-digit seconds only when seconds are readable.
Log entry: 3.47
